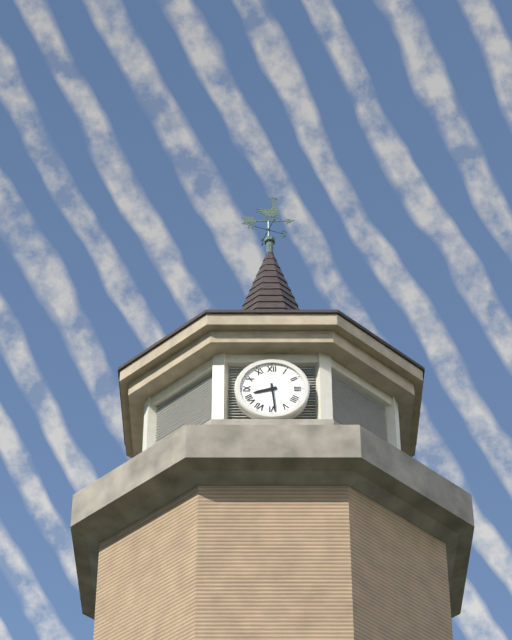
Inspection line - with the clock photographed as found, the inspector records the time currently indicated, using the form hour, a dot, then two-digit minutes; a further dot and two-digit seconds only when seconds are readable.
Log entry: 8.29
